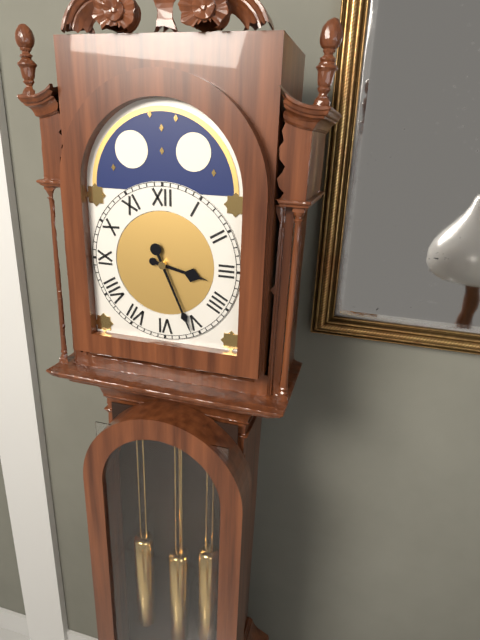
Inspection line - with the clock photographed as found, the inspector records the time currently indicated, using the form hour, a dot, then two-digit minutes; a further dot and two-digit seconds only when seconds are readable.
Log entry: 3.26
